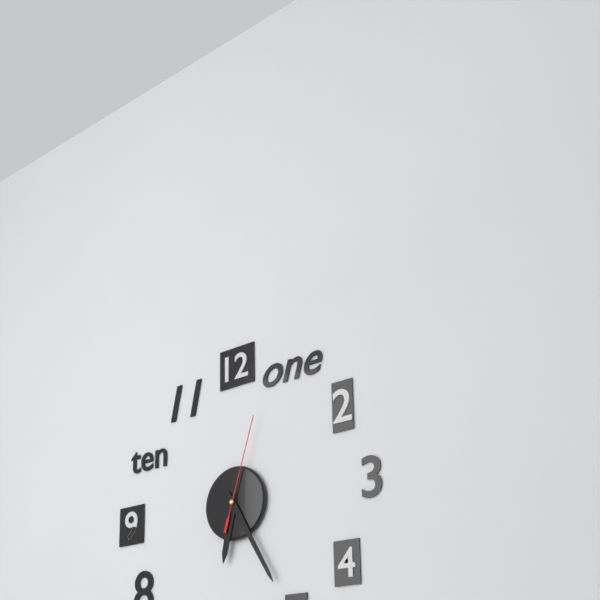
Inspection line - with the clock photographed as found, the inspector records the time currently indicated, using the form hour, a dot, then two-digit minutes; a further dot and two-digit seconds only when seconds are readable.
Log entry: 6.25.03
